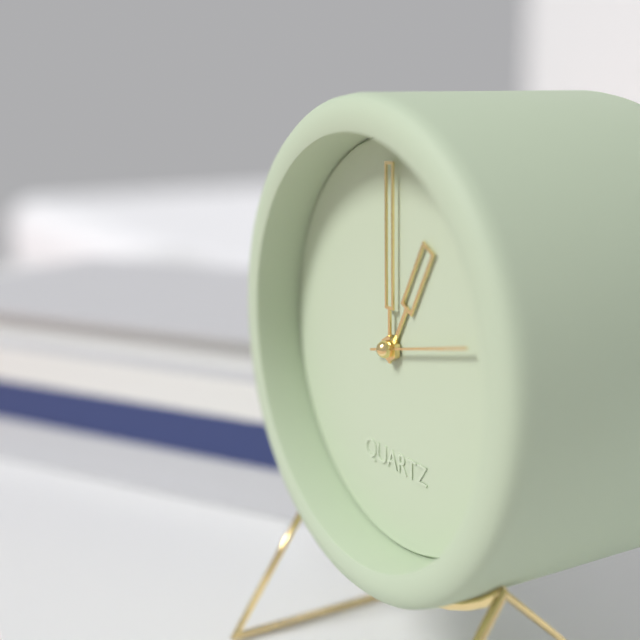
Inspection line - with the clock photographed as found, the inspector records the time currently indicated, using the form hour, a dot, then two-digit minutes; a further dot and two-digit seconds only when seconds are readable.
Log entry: 1.00.13
